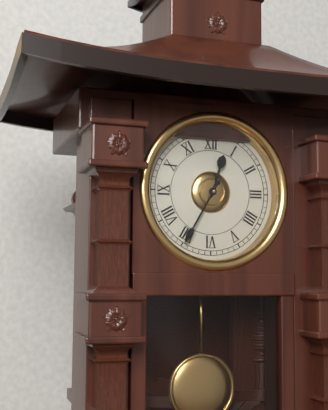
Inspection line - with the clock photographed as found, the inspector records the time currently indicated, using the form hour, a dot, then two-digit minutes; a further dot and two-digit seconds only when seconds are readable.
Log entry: 12.35
